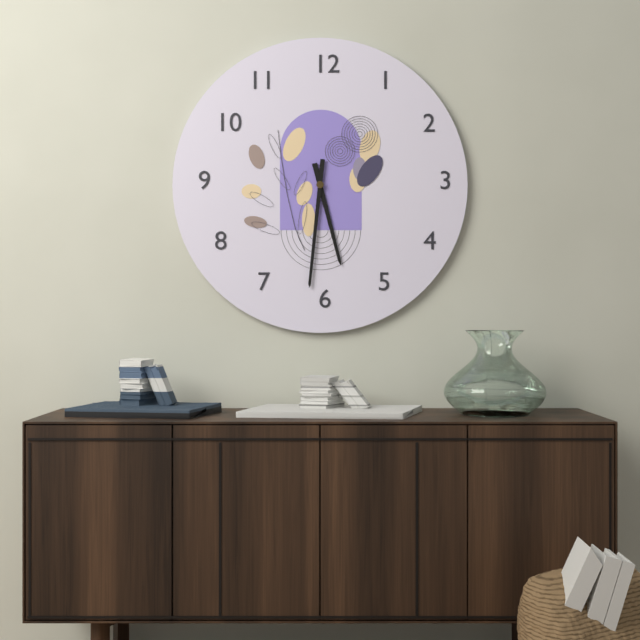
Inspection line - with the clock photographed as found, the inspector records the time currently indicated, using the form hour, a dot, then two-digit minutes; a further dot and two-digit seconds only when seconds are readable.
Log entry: 5.31
